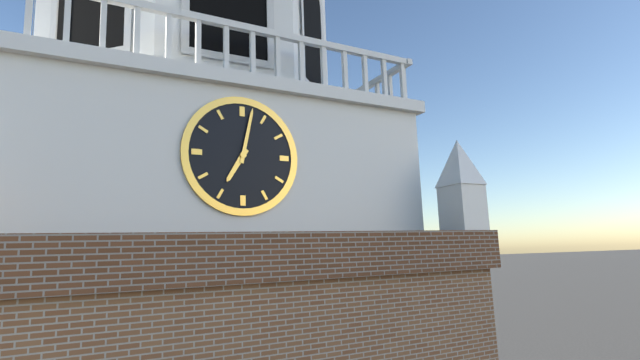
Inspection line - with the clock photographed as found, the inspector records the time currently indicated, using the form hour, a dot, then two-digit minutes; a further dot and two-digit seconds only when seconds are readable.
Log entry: 7.02
